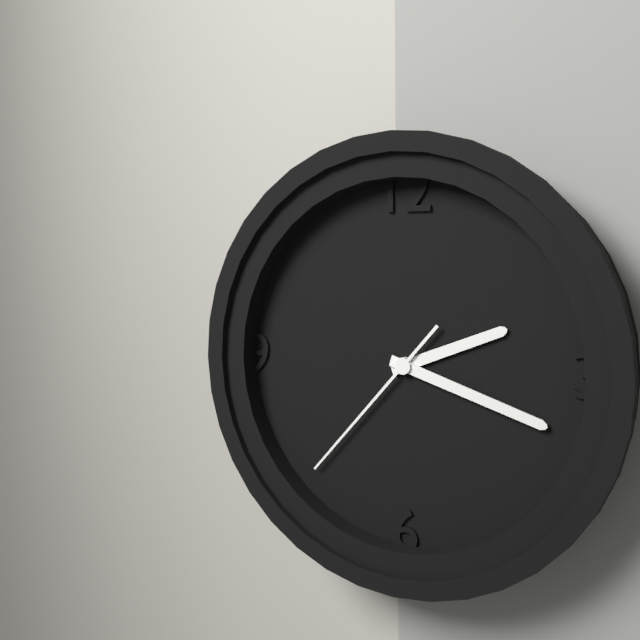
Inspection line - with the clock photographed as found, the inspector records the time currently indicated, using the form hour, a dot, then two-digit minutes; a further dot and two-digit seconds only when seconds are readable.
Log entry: 2.18.37
